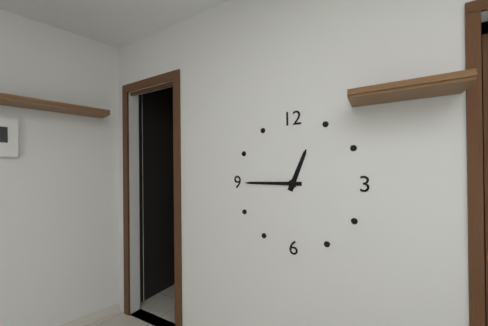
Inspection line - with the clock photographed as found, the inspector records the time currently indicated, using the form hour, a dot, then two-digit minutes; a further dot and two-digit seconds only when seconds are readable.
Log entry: 12.45
